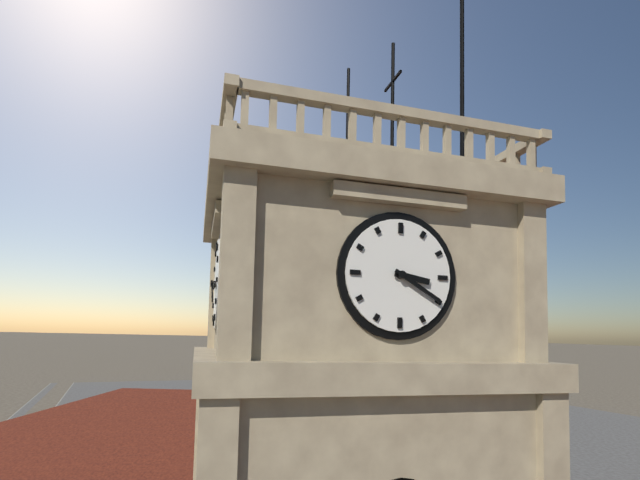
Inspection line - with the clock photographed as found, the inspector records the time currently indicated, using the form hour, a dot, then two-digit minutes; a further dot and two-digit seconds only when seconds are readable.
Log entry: 3.20
